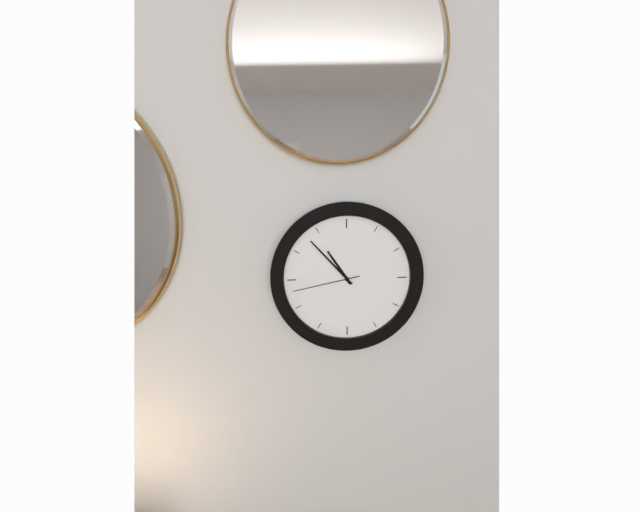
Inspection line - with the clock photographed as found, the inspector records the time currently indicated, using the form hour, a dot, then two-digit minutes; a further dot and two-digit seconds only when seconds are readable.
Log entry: 10.53.43
